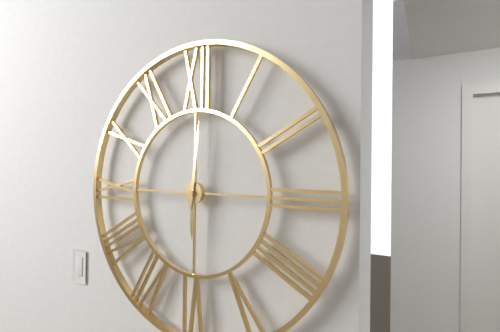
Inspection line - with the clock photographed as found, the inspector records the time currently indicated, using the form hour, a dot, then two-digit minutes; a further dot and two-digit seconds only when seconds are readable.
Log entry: 6.01
